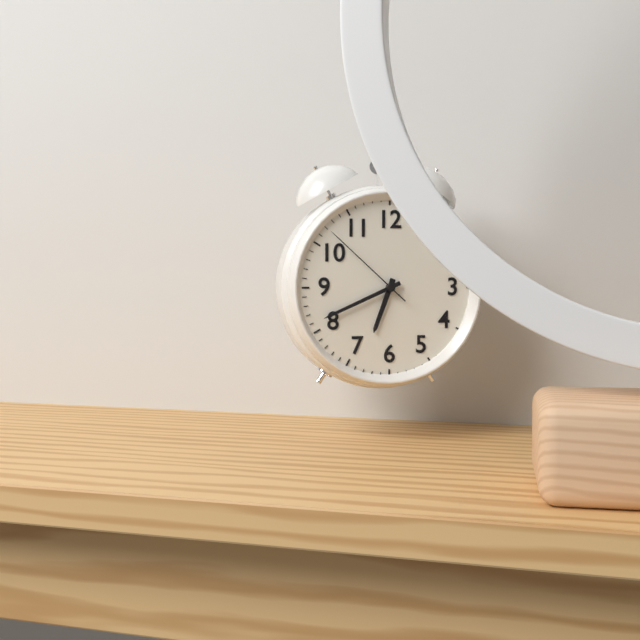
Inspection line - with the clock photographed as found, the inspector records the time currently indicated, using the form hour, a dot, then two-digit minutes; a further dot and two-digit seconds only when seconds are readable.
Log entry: 6.41.52
